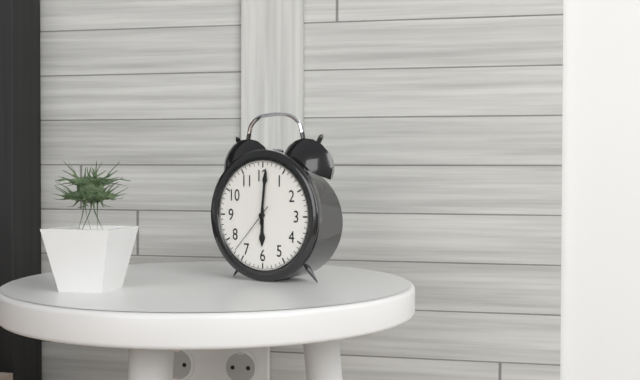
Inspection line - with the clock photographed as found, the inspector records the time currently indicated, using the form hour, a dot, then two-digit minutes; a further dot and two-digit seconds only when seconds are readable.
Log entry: 6.01.37
